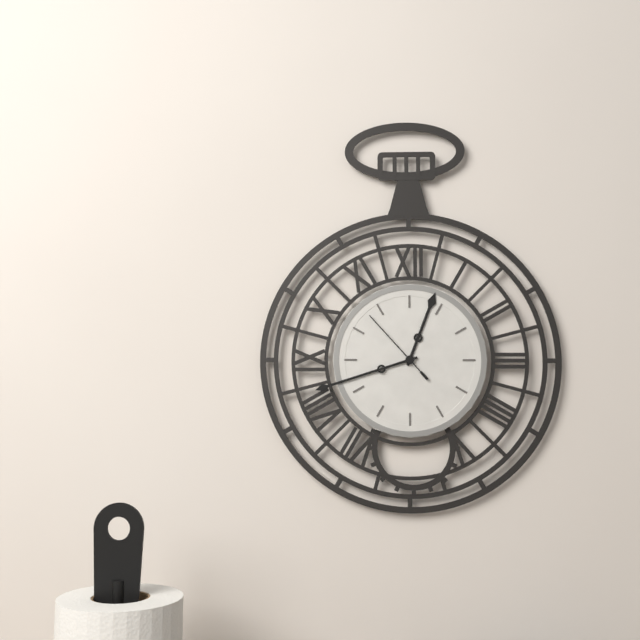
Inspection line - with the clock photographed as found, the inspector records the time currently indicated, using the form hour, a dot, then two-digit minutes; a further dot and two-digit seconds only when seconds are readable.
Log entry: 12.42.53
